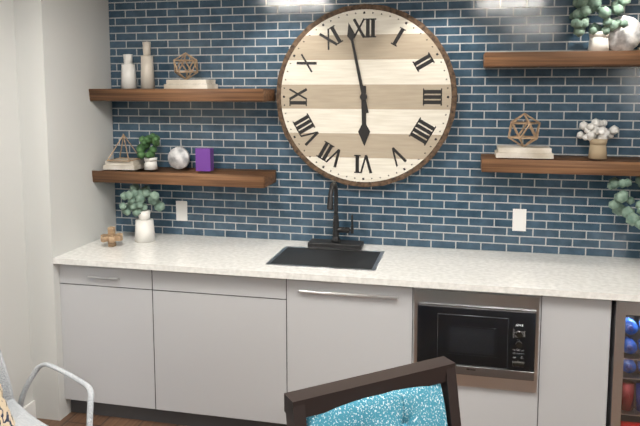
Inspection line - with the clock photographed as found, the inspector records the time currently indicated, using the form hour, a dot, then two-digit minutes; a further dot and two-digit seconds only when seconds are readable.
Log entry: 5.58
